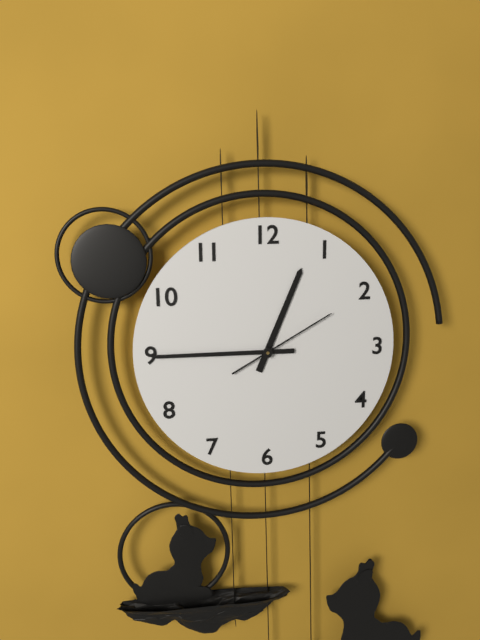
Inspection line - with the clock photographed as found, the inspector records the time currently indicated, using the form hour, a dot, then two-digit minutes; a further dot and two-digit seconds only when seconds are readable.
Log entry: 12.45.10
